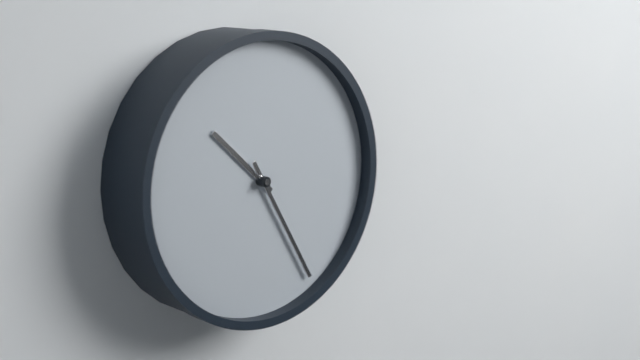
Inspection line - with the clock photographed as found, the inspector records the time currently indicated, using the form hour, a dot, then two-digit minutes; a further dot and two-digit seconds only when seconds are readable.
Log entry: 10.25
